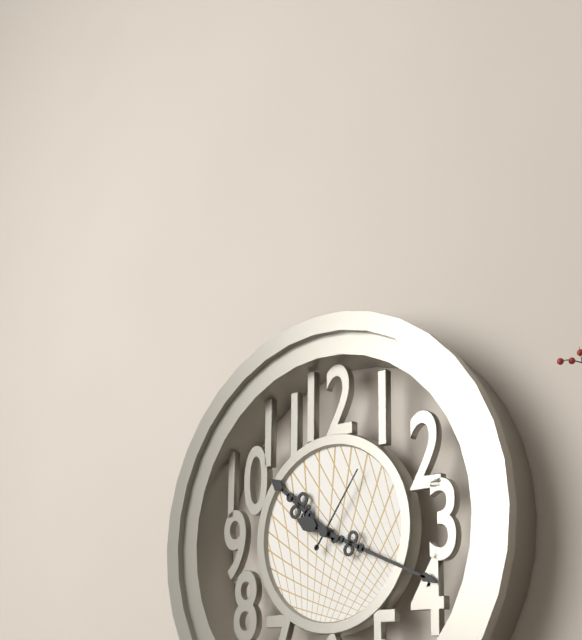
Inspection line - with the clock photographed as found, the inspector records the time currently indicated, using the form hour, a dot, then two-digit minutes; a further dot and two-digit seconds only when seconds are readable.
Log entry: 10.19.06
